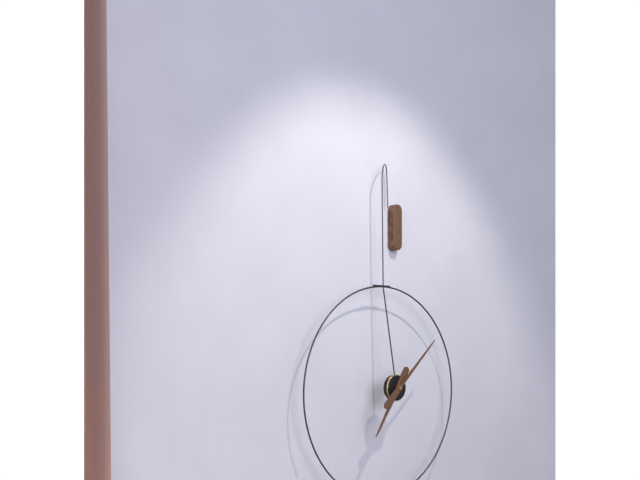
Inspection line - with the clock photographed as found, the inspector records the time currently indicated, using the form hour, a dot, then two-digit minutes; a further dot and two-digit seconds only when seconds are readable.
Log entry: 7.08
